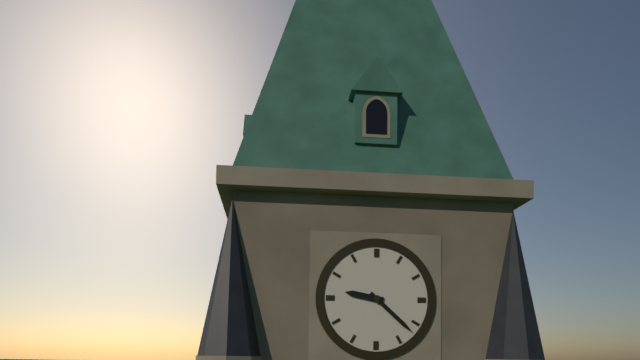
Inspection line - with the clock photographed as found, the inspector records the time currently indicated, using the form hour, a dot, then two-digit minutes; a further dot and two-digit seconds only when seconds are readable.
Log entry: 9.22
